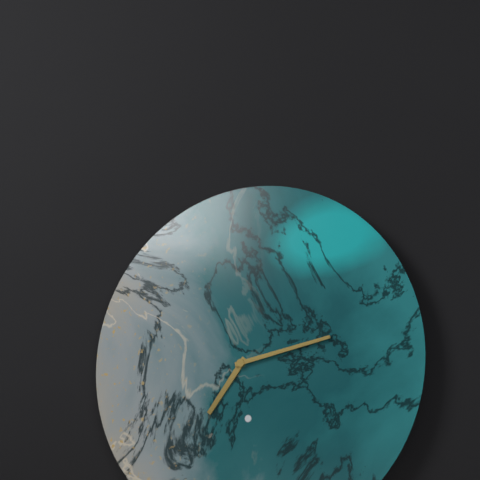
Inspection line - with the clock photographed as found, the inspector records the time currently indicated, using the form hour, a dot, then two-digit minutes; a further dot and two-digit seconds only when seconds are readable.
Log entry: 7.13
